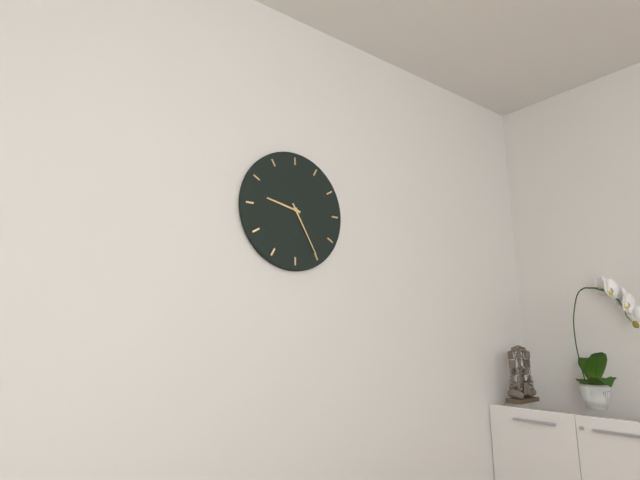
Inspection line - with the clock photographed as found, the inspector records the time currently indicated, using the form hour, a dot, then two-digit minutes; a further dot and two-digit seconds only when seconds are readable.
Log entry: 9.25
